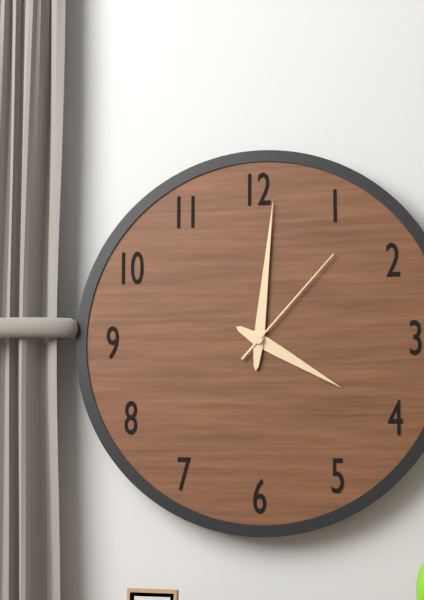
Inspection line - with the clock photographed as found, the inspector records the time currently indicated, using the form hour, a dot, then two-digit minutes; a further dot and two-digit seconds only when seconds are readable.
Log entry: 4.01.07
